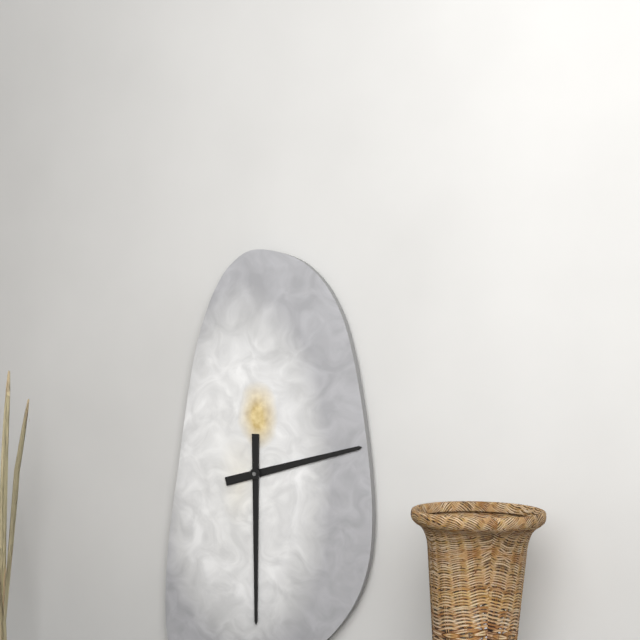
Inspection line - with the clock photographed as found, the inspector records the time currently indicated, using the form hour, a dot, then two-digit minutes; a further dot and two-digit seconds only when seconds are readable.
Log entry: 2.30
